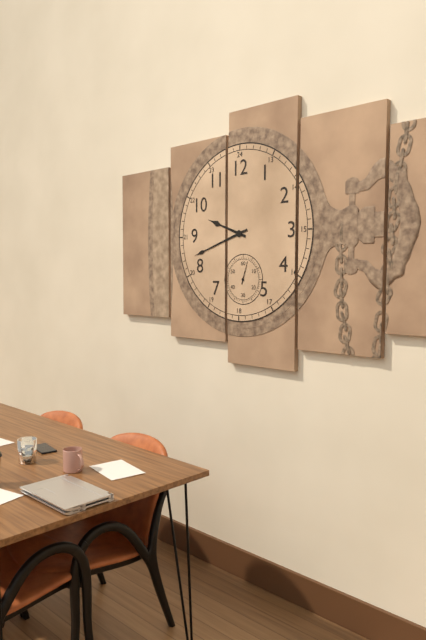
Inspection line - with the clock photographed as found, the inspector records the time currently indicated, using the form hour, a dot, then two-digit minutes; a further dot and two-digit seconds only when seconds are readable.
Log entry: 9.42
